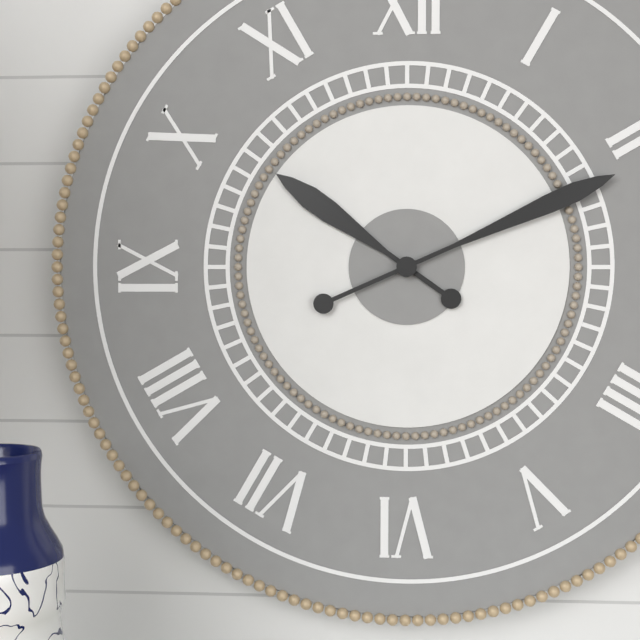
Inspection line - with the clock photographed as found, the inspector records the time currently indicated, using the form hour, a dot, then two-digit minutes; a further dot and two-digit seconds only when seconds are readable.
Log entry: 10.11
